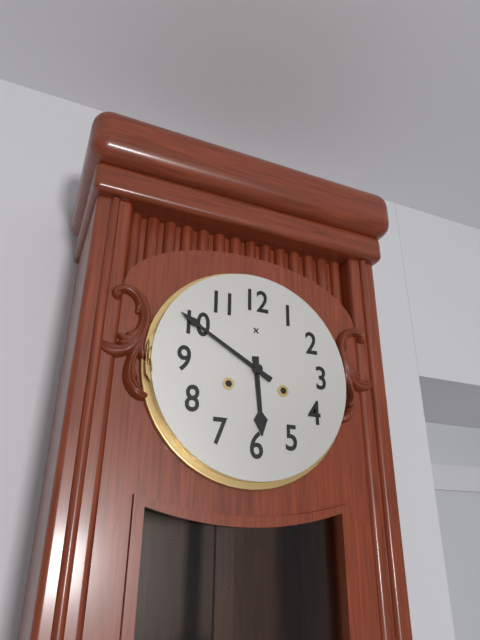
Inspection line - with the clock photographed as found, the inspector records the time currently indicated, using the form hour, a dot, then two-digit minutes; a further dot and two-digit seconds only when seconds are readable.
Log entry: 5.50
